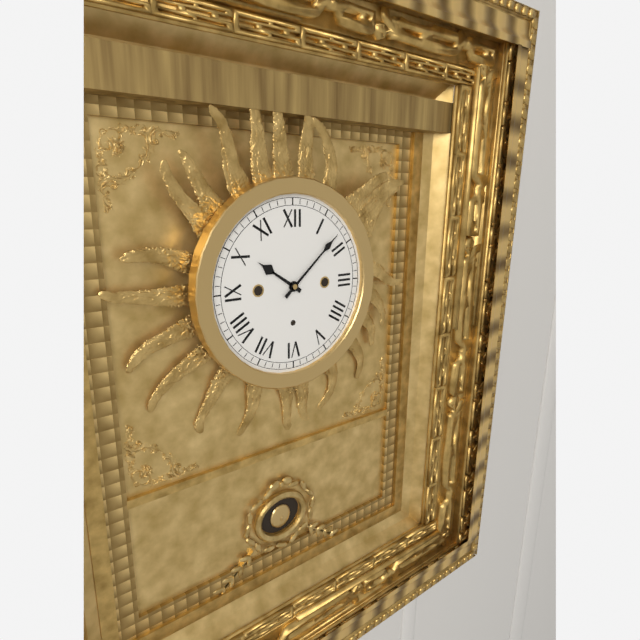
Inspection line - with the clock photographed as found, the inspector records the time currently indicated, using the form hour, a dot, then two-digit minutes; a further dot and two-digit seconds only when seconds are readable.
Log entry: 10.08
